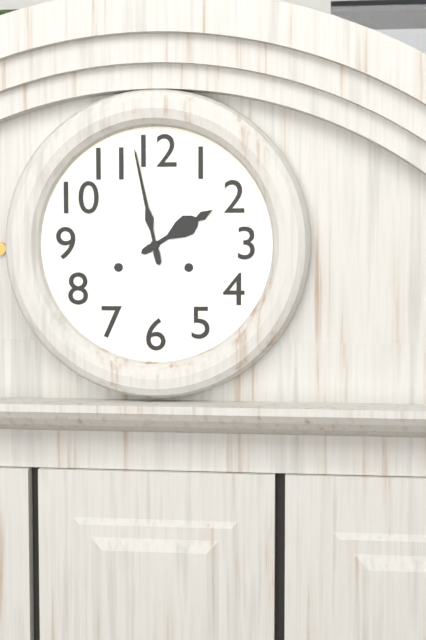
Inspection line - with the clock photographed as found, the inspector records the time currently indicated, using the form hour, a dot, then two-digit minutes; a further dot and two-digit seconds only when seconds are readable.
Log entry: 1.58
